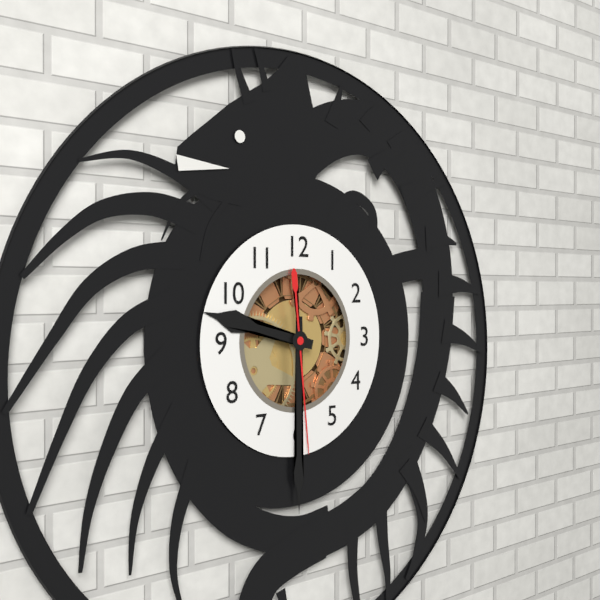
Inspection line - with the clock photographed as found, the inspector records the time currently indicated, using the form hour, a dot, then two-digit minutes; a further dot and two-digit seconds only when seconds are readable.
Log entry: 9.30.29
